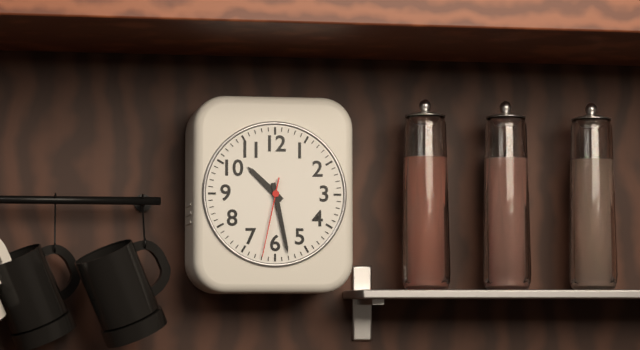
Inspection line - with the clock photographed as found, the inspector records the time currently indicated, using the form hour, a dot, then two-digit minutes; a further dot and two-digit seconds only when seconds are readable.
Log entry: 10.28.32
